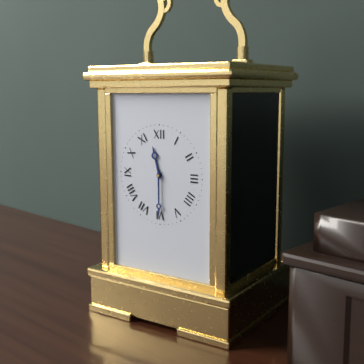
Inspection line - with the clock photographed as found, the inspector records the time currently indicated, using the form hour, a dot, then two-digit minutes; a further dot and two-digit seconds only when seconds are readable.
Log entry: 11.30
